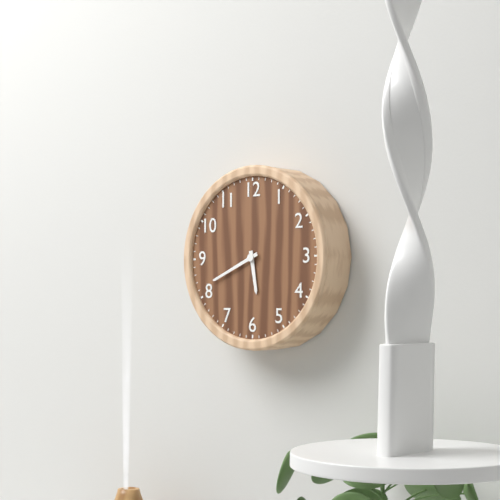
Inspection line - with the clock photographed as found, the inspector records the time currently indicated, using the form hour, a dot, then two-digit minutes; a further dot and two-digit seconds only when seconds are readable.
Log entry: 5.41
